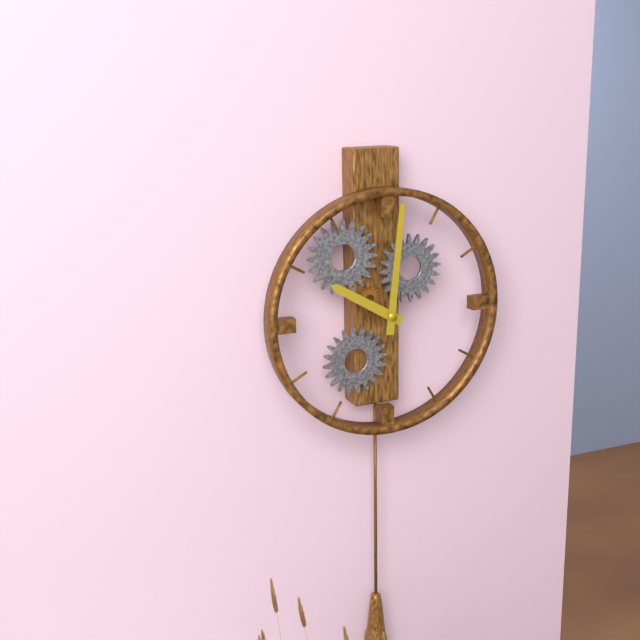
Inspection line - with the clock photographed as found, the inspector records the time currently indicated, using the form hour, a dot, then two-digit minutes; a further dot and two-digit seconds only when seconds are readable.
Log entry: 10.01
